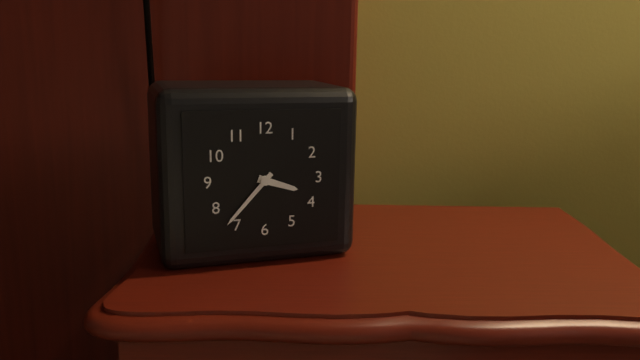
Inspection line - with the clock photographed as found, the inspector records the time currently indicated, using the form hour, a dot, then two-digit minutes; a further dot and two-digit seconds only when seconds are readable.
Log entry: 3.37
